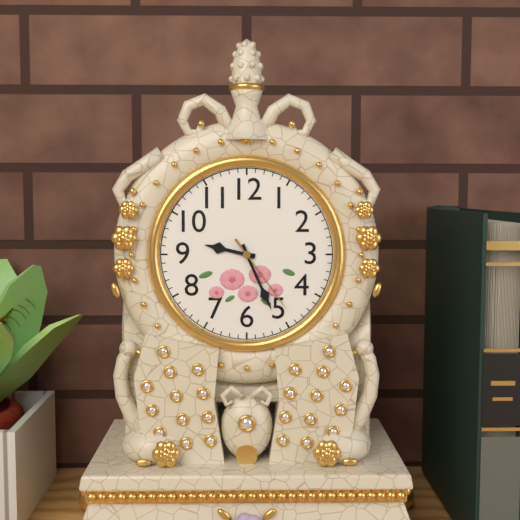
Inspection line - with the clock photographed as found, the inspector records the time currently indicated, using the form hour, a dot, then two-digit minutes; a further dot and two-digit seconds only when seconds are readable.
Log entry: 9.26.24
